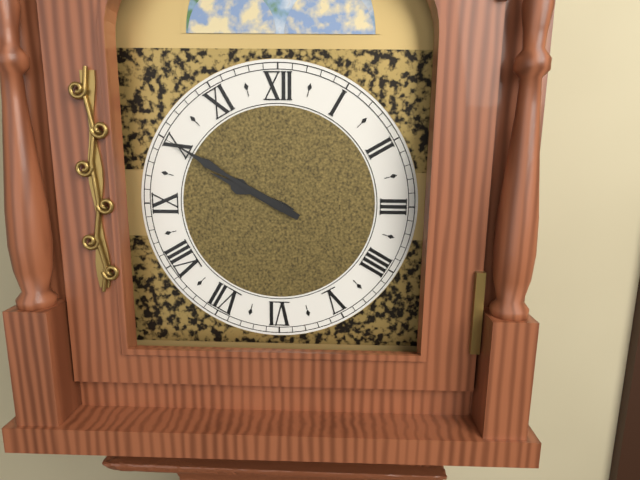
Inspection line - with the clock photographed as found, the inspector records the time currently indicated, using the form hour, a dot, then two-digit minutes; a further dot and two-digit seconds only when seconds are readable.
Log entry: 9.50
